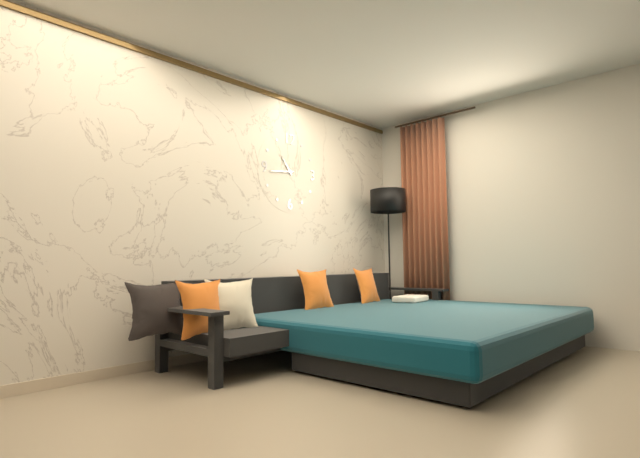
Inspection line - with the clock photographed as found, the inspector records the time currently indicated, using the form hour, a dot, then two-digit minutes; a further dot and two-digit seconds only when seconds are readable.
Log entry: 10.44
